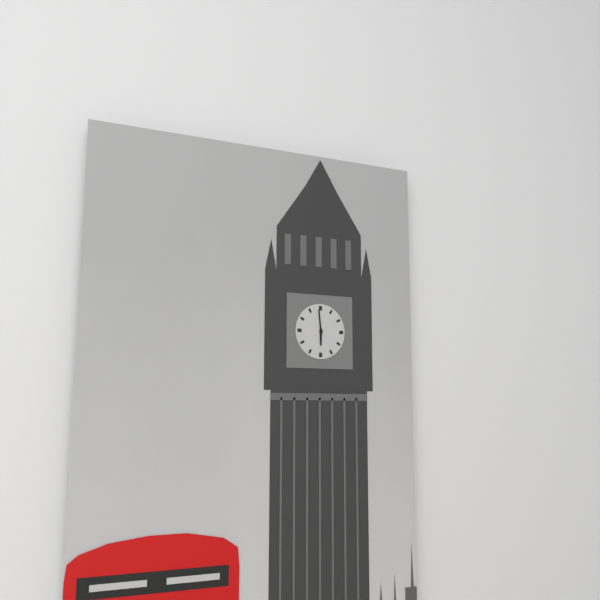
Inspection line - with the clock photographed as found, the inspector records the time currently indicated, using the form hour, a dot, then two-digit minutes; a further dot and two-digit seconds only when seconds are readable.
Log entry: 5.59
